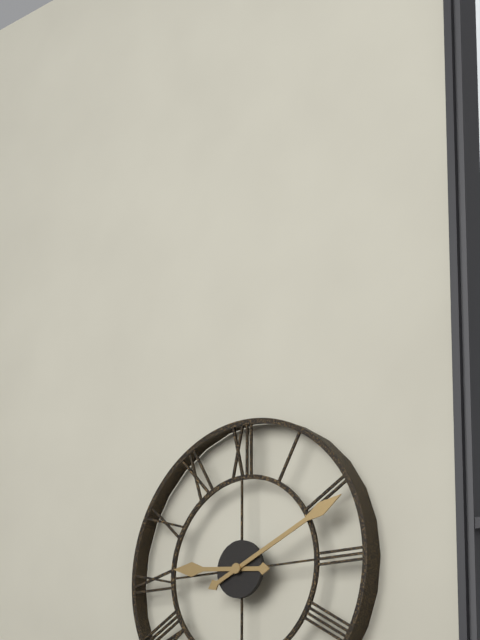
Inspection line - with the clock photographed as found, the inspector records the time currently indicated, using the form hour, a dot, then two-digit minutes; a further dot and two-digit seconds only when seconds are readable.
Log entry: 9.11
